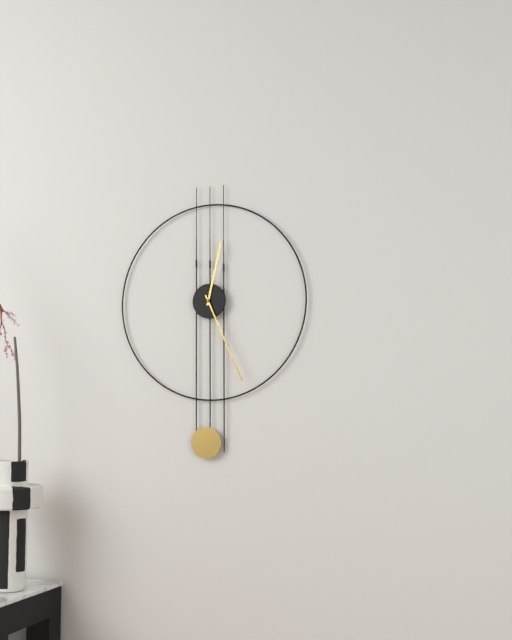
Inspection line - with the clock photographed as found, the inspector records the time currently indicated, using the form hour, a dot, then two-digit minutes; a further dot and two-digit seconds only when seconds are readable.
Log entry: 12.26
